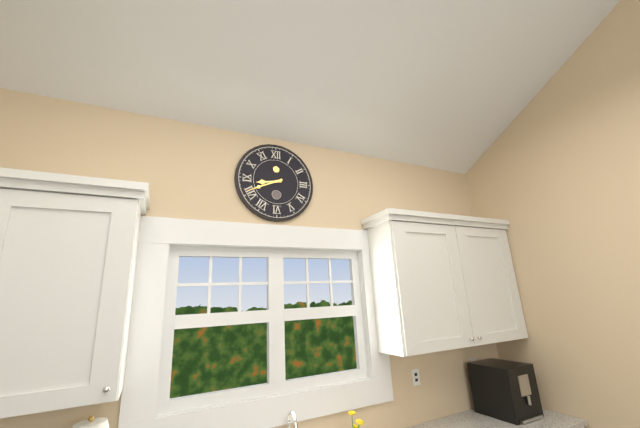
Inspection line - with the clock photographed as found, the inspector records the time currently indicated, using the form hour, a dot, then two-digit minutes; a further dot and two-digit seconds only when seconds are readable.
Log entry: 8.41
